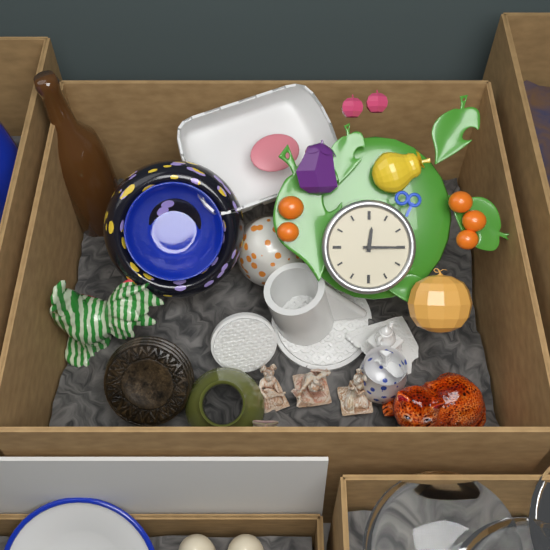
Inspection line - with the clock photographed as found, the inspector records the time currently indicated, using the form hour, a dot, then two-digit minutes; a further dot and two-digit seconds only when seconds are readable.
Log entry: 12.15
